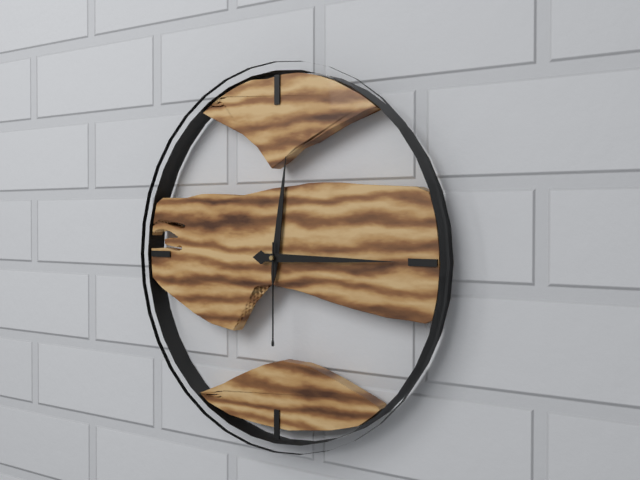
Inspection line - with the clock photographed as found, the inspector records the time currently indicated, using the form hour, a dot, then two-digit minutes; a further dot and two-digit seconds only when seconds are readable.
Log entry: 12.15.30
